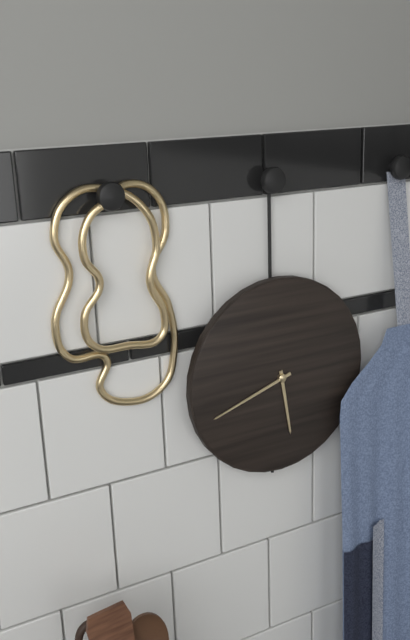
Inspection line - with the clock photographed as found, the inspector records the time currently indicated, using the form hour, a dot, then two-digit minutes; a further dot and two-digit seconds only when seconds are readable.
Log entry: 5.42
